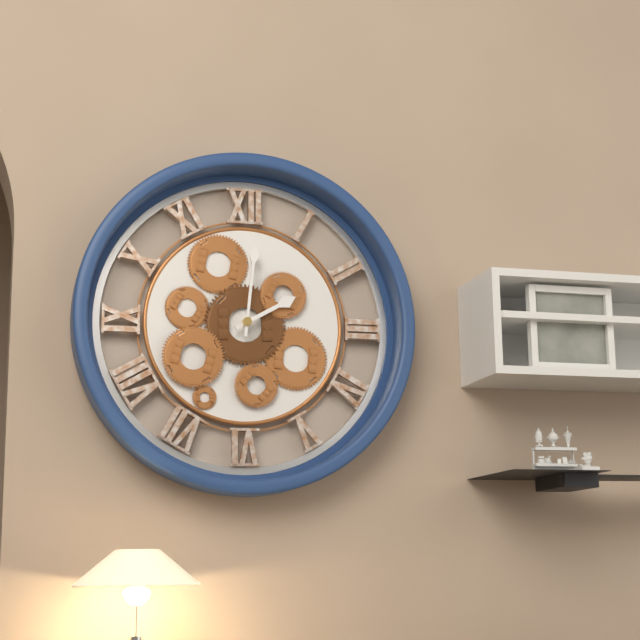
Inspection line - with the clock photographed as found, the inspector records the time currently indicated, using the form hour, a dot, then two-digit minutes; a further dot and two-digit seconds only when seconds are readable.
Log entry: 2.01
